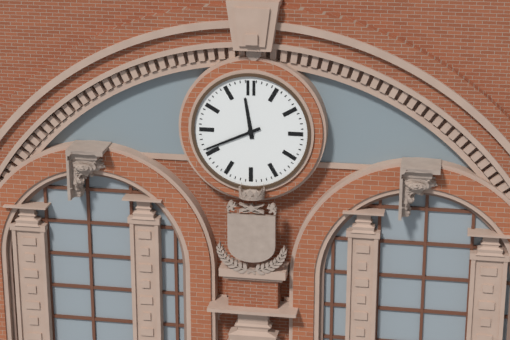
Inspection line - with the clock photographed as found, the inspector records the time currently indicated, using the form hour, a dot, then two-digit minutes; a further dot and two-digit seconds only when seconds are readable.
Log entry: 11.41
